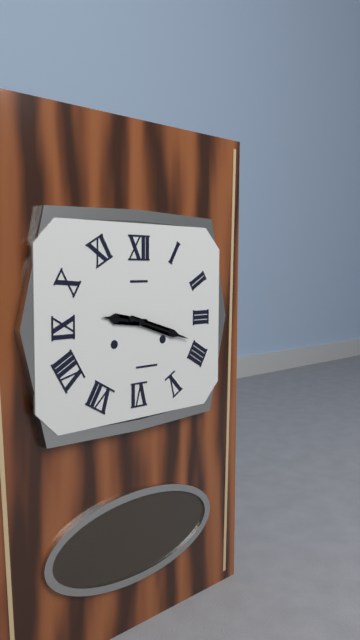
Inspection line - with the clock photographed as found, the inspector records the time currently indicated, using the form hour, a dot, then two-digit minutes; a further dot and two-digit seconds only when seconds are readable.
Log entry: 9.18
